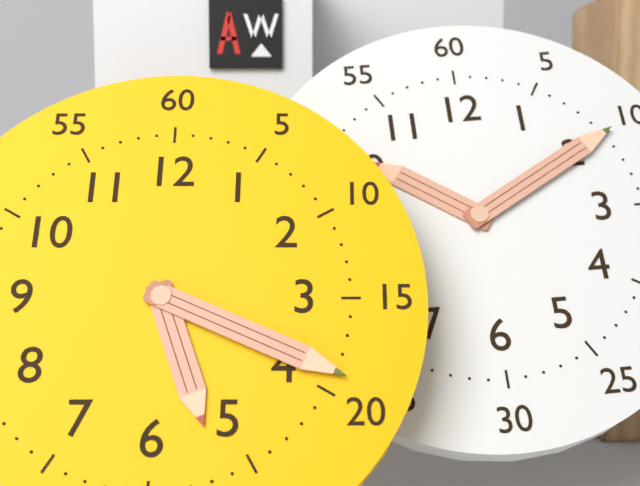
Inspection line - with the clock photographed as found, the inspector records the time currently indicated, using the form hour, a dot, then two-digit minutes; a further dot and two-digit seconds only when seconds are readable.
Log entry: 5.19
